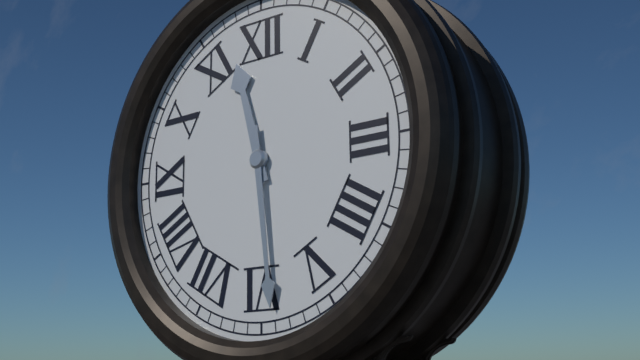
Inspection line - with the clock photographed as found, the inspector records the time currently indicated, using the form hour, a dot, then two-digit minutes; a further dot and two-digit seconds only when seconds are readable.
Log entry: 11.29
